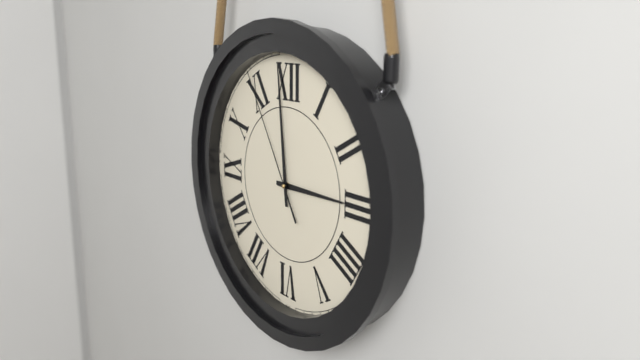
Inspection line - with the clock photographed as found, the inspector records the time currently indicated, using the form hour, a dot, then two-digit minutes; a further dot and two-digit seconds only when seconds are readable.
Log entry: 2.59.55
